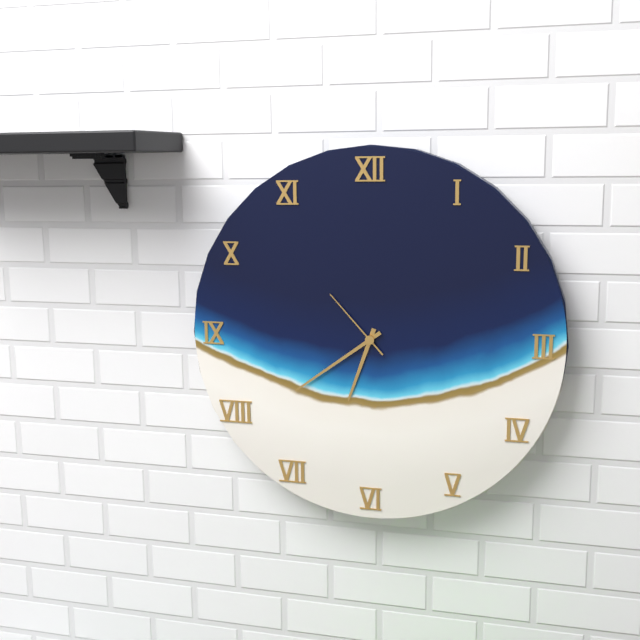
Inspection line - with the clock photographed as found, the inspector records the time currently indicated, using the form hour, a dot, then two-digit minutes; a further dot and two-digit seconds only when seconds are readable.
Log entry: 6.39.53
